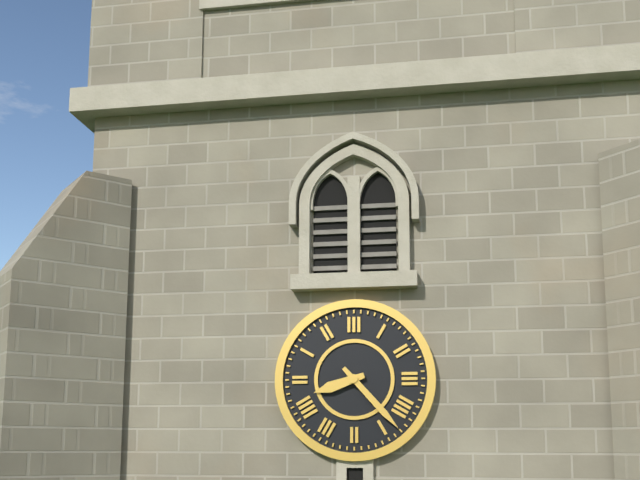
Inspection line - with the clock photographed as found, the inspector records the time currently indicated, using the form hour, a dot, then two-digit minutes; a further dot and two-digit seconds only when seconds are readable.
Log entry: 8.23
